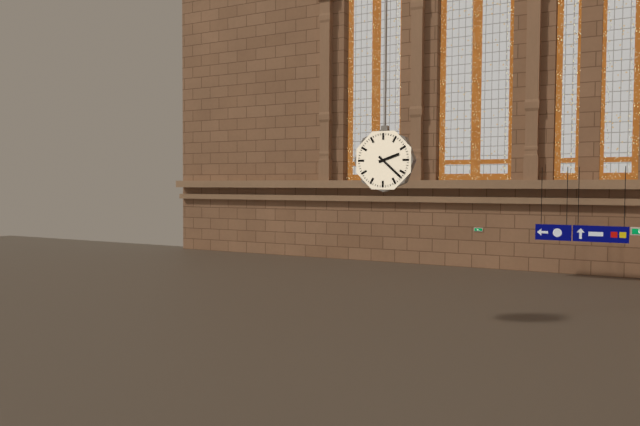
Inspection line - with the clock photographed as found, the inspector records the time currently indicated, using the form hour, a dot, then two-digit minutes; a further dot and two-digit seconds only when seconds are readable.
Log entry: 2.22
